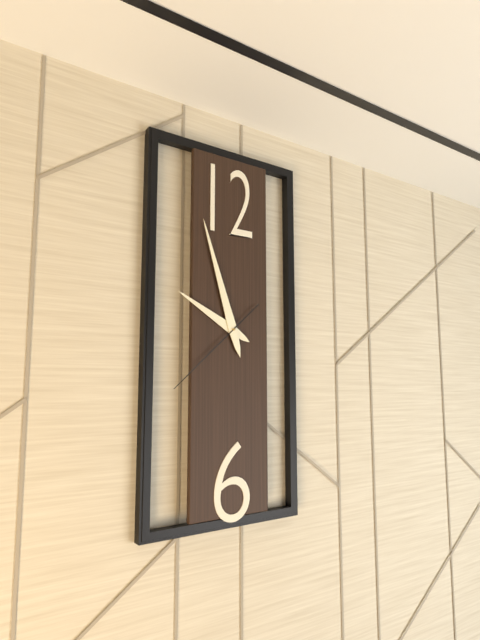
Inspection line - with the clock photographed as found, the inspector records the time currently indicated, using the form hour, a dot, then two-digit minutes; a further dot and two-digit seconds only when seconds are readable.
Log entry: 9.57.38
